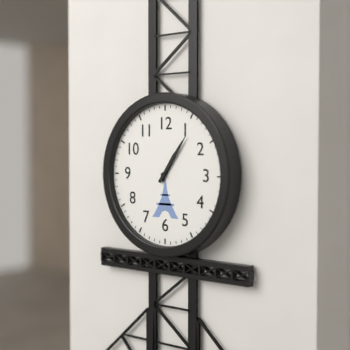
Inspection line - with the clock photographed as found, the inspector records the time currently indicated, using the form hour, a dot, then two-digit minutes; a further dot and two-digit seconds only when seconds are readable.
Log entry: 1.06
